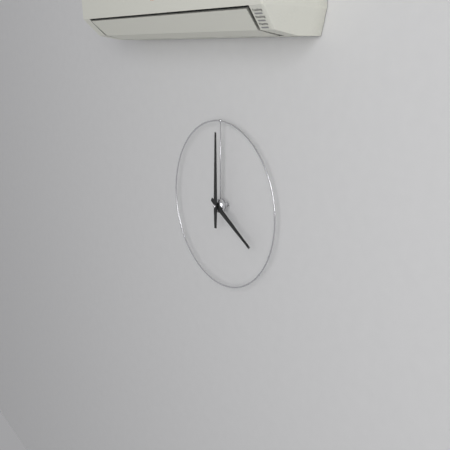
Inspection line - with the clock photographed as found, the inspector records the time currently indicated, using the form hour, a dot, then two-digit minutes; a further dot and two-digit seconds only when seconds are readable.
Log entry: 4.00
